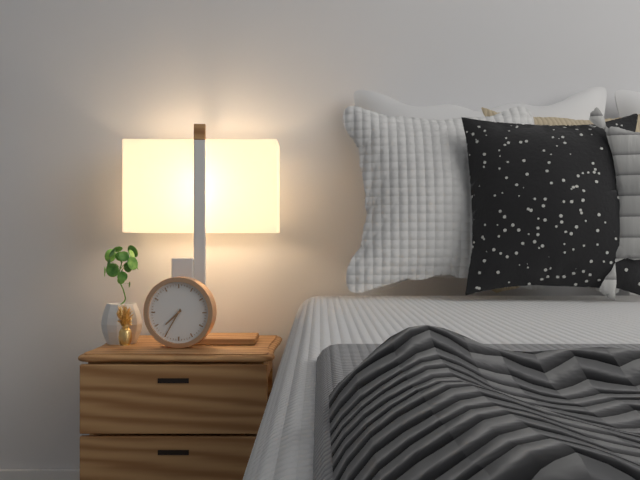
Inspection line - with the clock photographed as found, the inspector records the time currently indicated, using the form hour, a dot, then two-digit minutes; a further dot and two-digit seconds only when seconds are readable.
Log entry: 7.35
